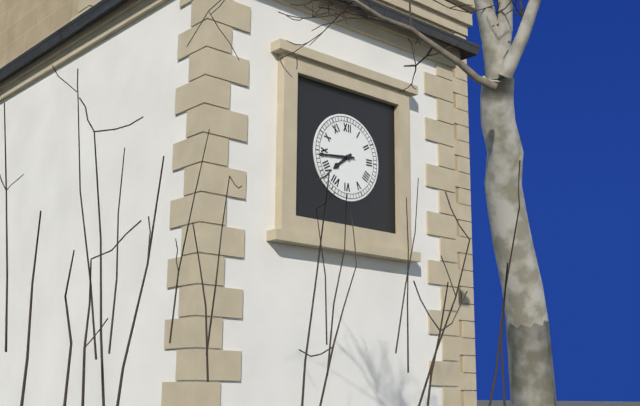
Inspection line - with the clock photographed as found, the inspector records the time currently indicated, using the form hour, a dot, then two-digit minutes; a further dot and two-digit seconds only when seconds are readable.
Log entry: 7.44
